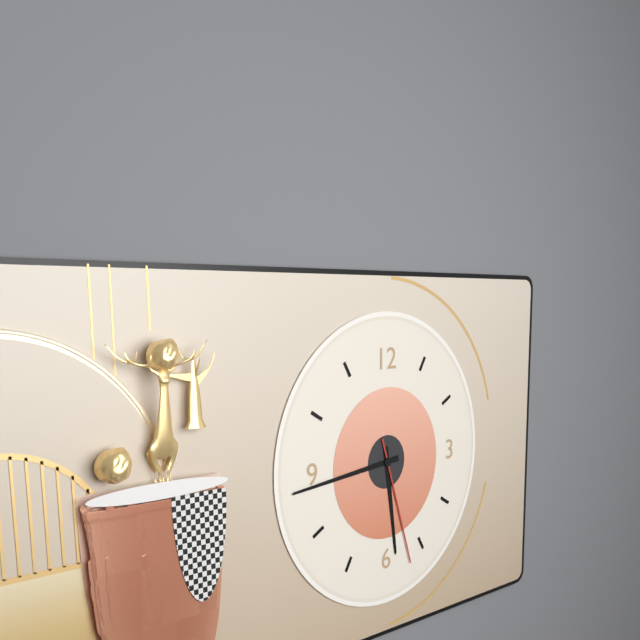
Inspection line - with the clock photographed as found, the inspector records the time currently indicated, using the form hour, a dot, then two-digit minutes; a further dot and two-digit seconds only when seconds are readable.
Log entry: 5.44.27
